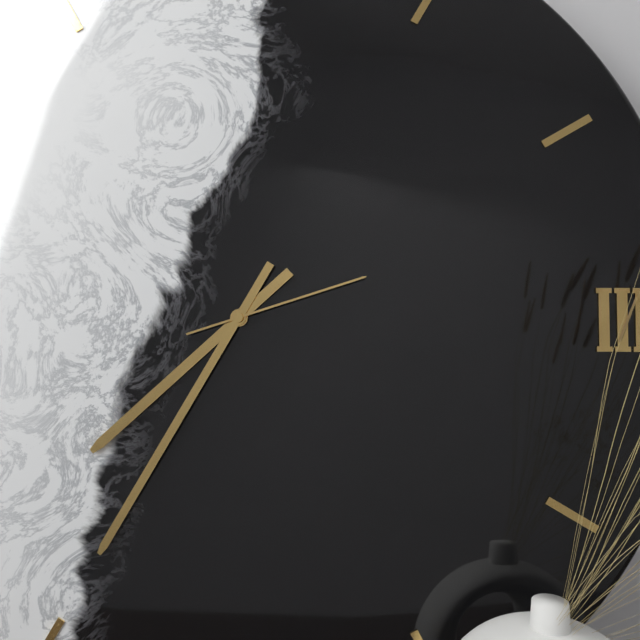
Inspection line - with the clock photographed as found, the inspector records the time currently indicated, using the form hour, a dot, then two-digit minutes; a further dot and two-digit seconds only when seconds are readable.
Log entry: 7.35.12
